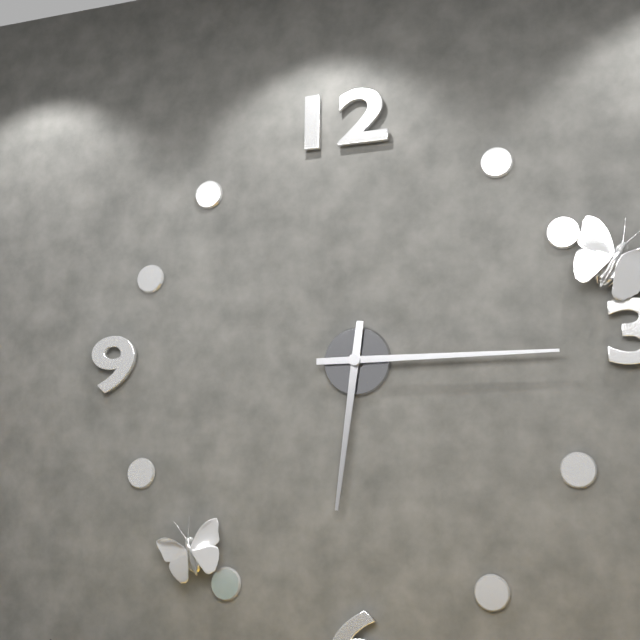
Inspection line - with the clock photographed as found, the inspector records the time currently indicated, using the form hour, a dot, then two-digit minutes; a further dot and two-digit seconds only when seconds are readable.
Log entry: 6.15
